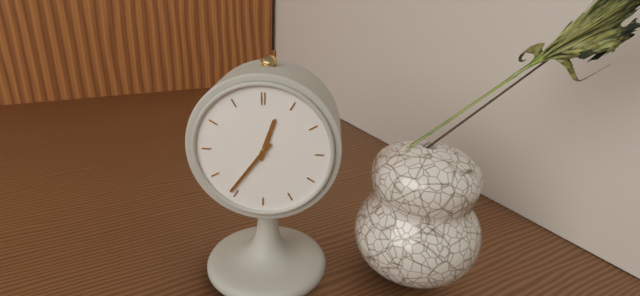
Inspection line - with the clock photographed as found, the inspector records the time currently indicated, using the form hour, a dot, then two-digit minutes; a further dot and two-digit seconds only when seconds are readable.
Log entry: 12.36
